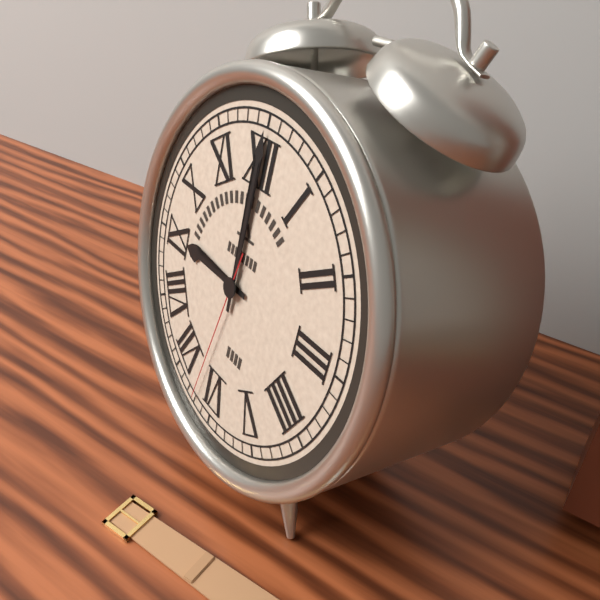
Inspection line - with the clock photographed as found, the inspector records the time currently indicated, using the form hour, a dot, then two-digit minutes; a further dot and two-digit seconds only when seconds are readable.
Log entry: 9.00.32
